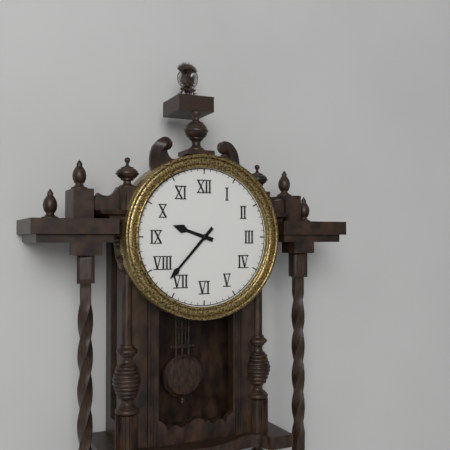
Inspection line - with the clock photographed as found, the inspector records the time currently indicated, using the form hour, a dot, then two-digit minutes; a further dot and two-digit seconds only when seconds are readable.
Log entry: 9.37
